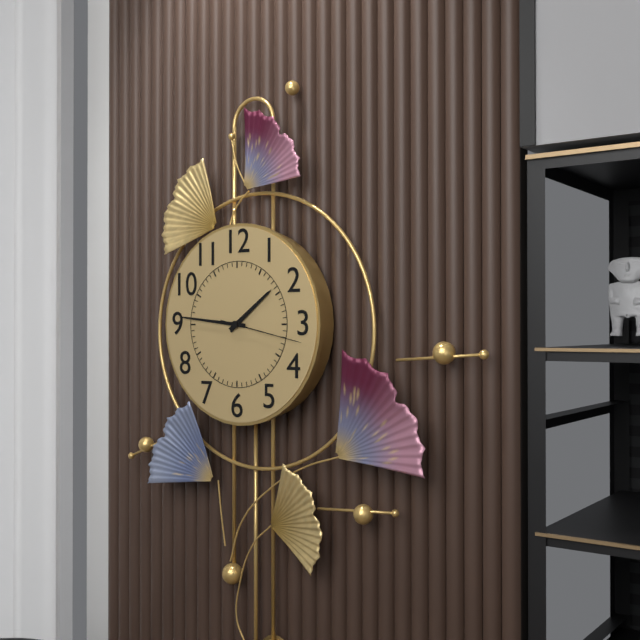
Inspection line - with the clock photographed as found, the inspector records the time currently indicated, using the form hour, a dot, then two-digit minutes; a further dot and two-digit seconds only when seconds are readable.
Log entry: 1.46.17
